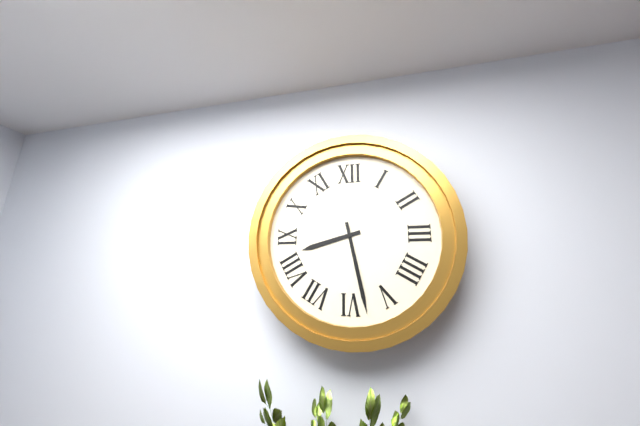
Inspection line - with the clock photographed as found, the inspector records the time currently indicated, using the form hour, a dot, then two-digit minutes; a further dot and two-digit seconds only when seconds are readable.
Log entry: 8.28
